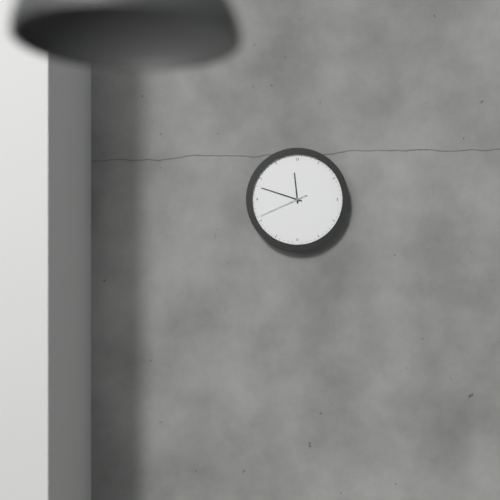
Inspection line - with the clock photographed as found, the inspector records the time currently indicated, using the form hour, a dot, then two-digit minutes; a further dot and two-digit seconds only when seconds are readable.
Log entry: 11.48.41
